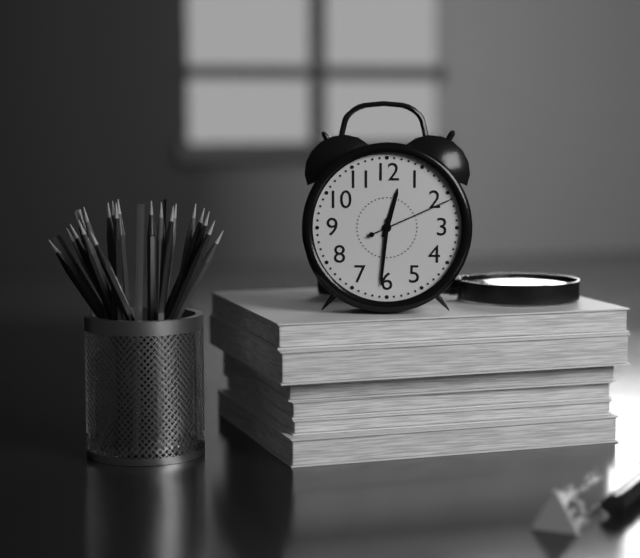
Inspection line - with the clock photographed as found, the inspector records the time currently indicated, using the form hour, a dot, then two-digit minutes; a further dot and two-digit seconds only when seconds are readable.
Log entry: 12.31.11
